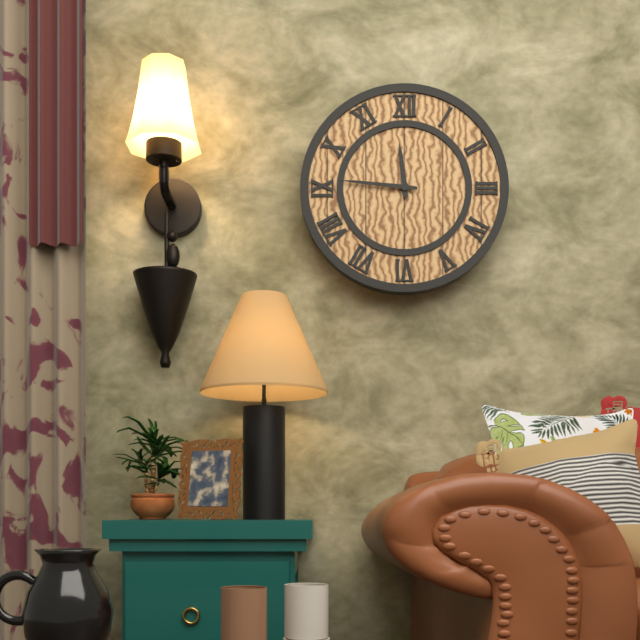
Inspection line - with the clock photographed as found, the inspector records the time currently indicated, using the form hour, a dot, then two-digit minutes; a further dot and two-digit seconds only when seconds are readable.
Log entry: 11.46
